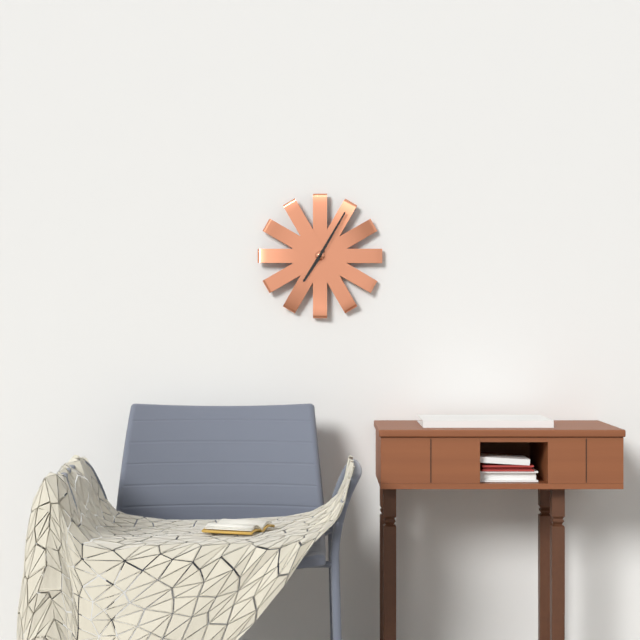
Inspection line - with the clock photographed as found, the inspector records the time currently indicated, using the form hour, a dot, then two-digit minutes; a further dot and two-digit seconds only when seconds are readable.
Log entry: 7.05
